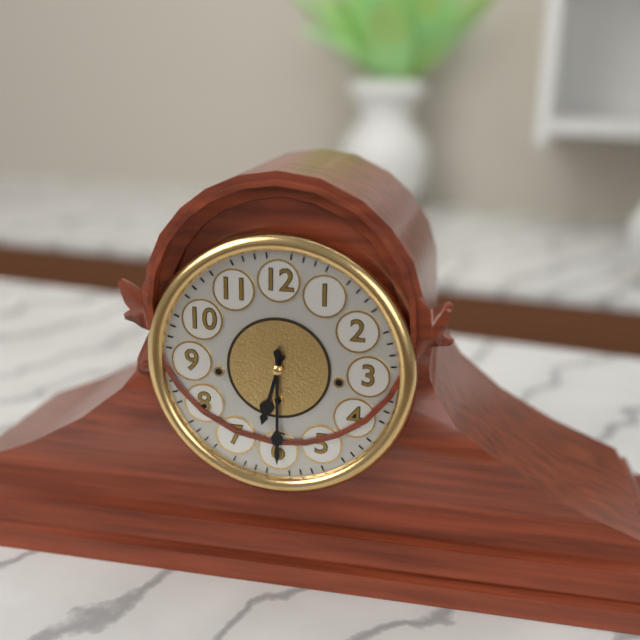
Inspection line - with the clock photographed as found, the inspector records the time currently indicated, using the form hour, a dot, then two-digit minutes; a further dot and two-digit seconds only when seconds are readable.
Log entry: 6.30
